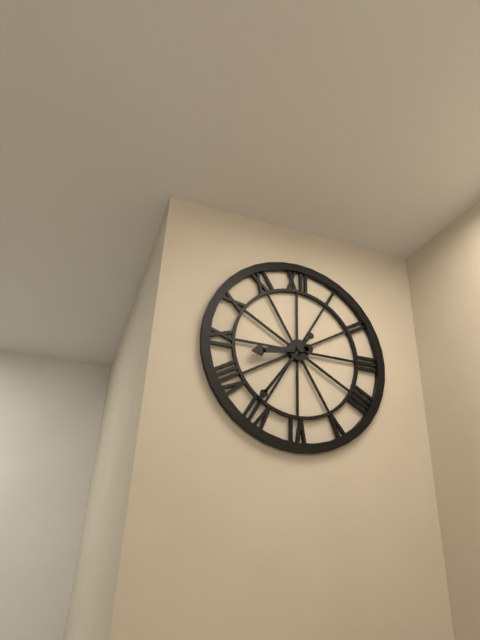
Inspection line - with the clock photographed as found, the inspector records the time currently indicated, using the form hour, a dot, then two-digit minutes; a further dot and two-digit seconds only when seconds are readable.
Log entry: 8.36
